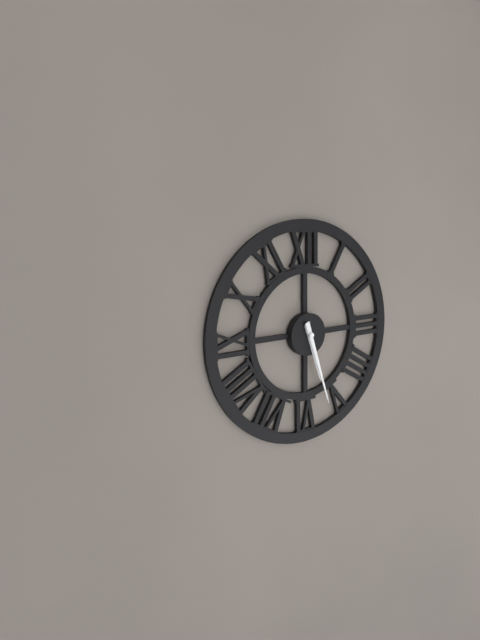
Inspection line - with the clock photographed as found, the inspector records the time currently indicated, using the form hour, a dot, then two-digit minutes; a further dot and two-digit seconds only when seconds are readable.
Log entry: 5.27
